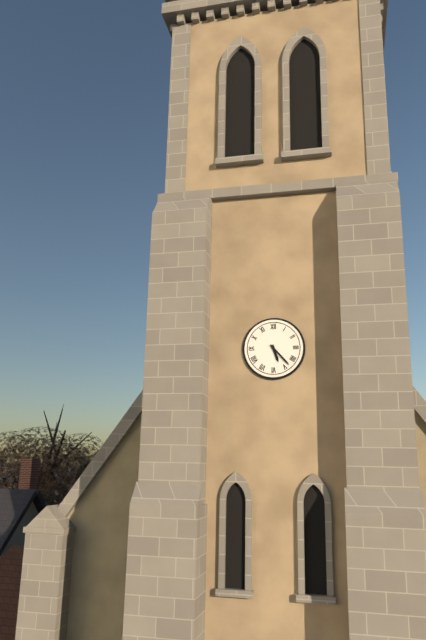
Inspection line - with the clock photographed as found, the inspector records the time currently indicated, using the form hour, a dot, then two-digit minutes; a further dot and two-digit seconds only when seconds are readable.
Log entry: 5.23
